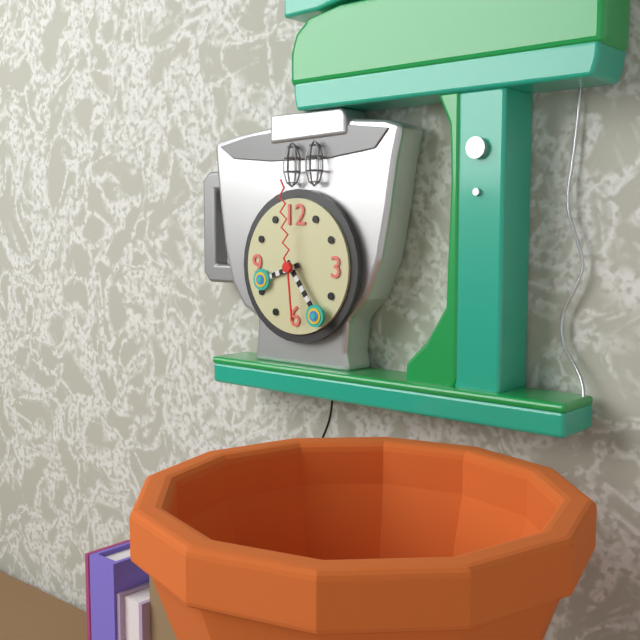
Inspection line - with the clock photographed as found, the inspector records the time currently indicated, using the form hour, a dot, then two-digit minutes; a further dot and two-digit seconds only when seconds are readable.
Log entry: 8.24.59
